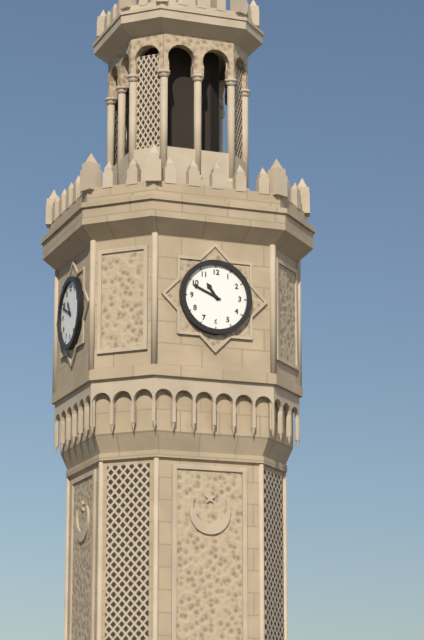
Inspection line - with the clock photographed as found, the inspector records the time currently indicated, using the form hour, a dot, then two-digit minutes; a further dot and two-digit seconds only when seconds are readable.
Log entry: 10.49
